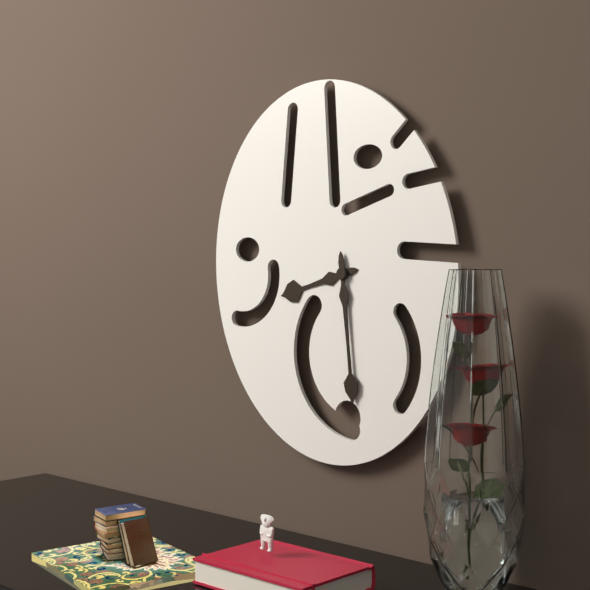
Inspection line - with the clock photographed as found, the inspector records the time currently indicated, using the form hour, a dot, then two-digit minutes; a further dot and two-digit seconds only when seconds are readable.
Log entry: 8.29
